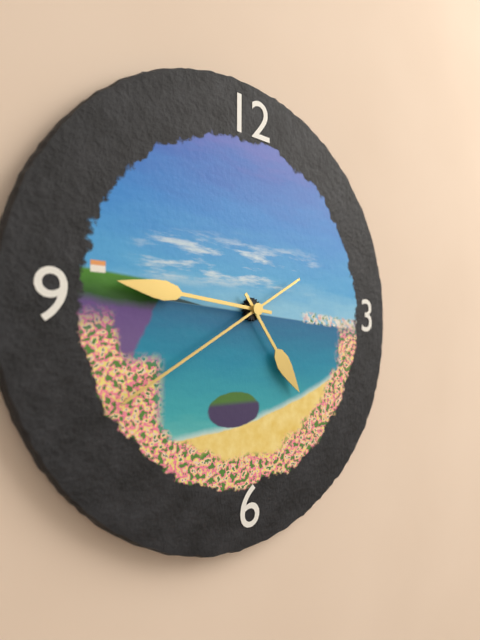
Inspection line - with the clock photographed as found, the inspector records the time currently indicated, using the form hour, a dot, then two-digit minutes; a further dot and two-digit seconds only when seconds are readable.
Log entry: 4.46.40
